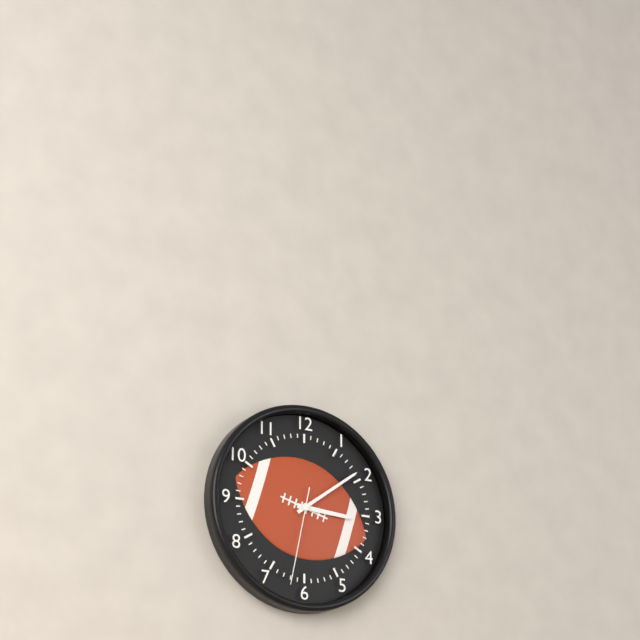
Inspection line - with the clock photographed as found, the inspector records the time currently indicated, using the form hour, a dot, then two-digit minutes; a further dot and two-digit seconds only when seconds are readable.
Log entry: 3.09.32
